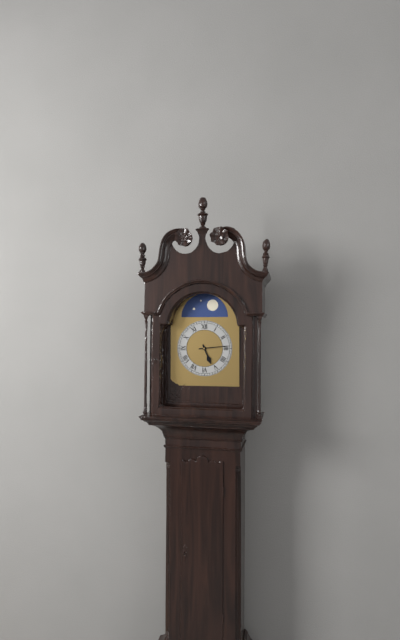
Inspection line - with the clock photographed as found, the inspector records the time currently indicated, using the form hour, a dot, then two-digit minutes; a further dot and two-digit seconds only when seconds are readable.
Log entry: 5.14
